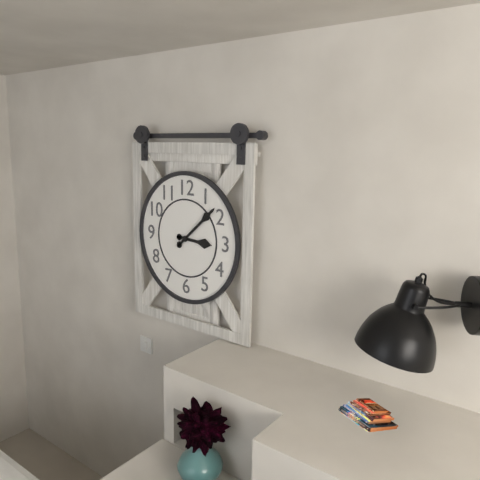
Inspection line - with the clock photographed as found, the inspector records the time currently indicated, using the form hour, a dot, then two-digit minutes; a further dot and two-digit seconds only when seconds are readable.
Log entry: 3.08
